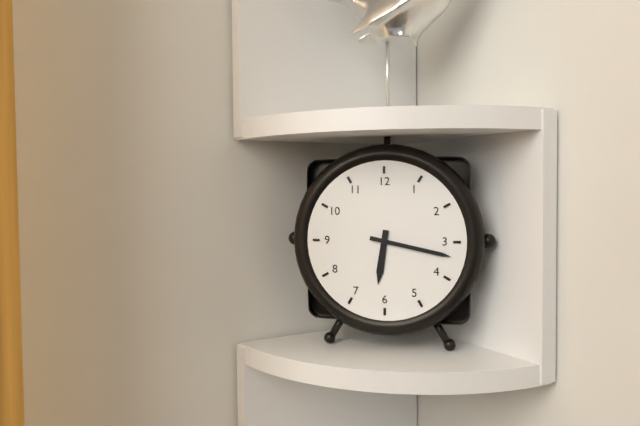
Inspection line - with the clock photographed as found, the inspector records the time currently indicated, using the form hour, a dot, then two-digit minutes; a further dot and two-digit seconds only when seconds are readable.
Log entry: 6.17
